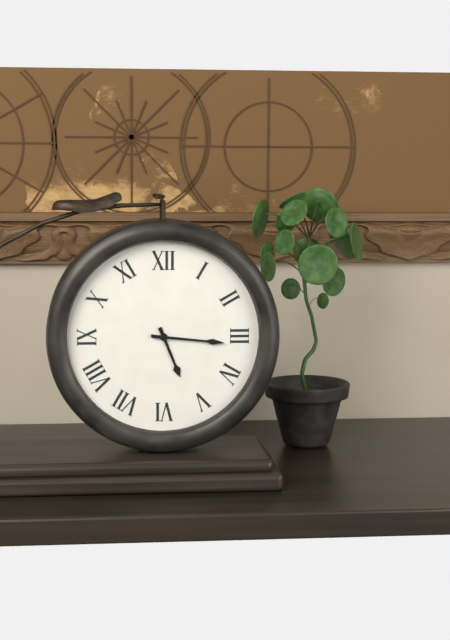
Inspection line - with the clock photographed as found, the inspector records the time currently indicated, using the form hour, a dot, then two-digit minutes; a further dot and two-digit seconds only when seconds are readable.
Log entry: 5.16
